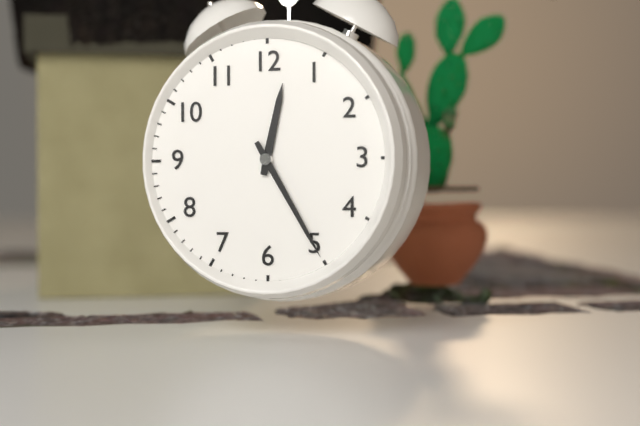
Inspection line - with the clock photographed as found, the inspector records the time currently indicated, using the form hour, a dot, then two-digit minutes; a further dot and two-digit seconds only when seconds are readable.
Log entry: 12.25
